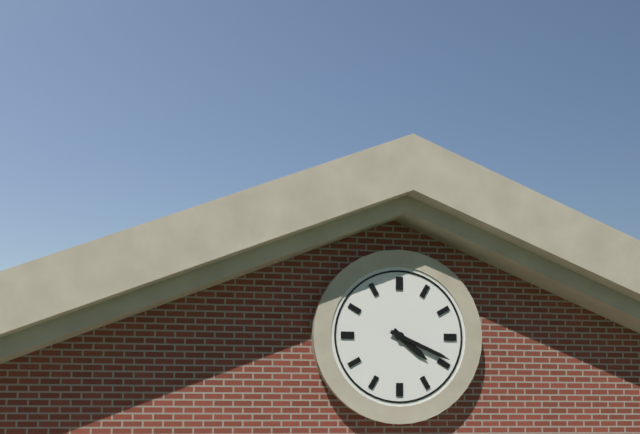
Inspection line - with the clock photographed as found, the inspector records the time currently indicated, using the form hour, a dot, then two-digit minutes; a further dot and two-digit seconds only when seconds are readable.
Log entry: 4.19
